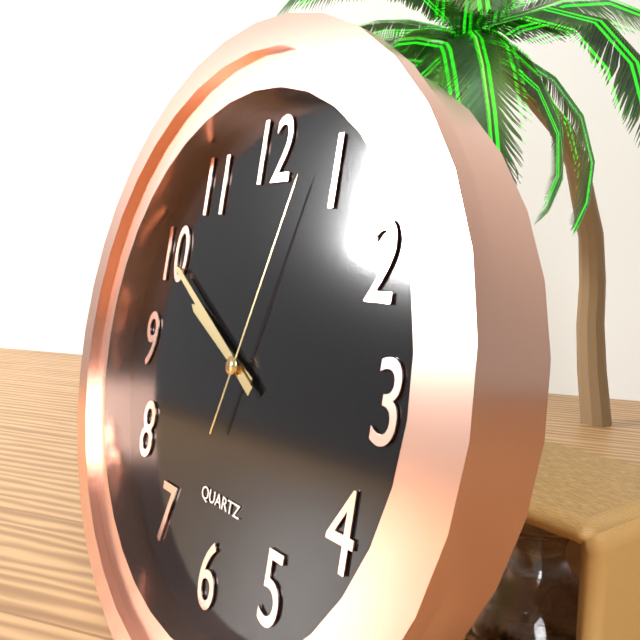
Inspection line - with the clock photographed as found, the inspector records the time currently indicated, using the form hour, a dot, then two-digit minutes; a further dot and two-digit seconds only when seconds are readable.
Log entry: 9.50.03
